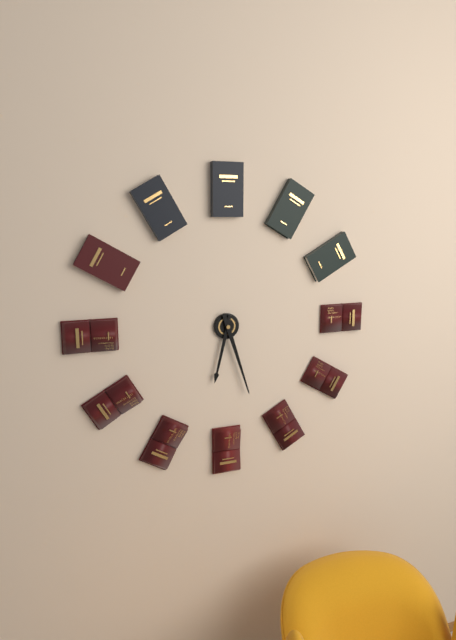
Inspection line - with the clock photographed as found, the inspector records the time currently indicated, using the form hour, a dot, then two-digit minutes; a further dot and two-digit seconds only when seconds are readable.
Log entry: 6.27
